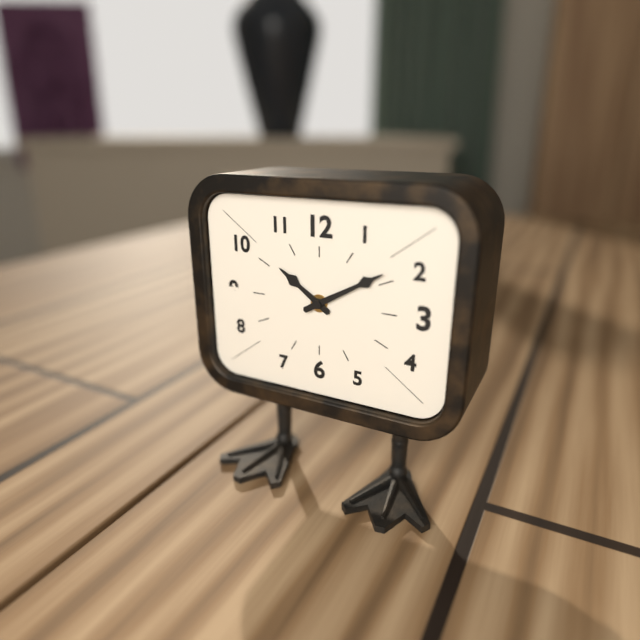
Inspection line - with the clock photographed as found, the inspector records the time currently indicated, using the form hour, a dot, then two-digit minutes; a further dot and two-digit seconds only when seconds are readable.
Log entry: 10.10
